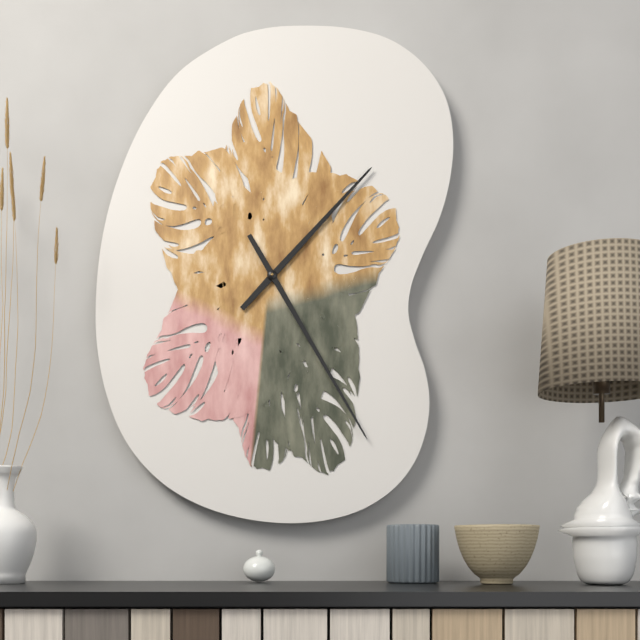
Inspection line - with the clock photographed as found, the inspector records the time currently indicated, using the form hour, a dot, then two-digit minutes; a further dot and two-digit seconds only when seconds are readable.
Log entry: 1.25
